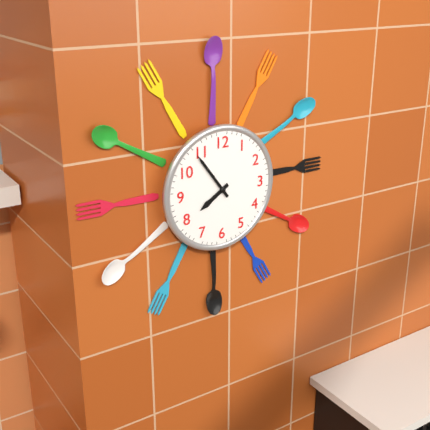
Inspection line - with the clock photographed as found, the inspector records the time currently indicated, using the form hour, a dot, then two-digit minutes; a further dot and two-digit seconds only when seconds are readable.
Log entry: 7.54
